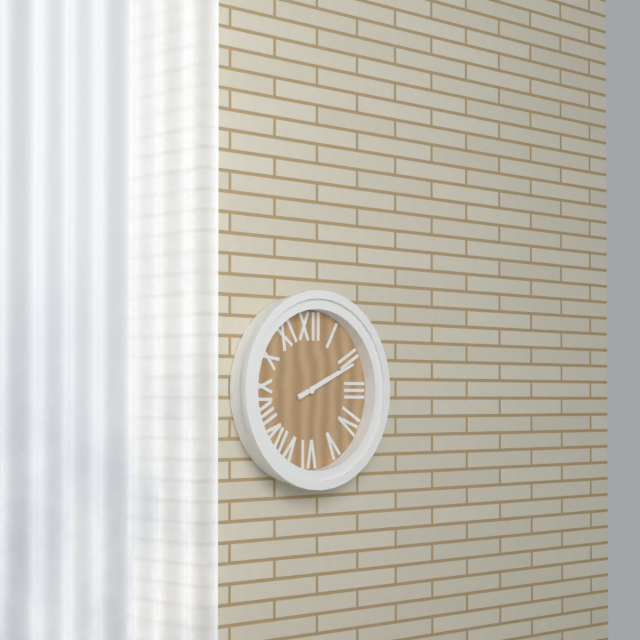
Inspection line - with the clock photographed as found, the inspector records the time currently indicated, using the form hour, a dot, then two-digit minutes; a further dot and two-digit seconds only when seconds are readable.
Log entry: 2.11
